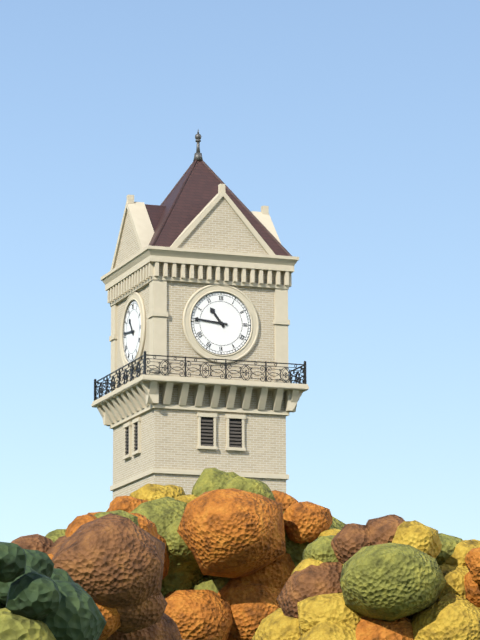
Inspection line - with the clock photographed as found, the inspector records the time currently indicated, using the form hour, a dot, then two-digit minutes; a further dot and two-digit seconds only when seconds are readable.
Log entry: 10.46
